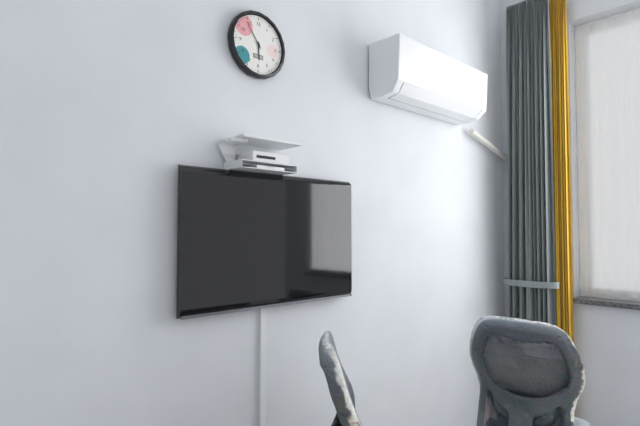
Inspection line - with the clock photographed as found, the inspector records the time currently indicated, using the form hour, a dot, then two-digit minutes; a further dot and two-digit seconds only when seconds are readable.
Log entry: 5.54
